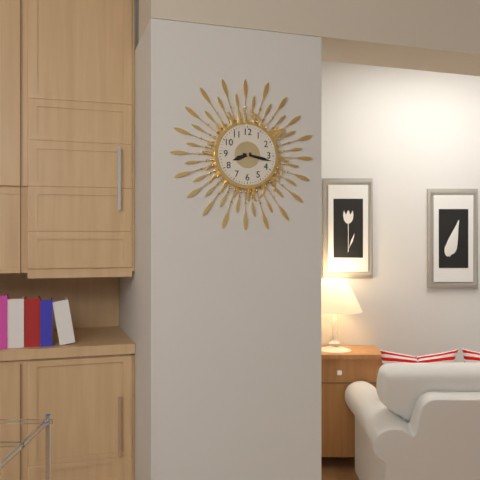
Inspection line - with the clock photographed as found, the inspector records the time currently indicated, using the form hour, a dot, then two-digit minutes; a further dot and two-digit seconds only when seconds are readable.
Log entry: 8.17
